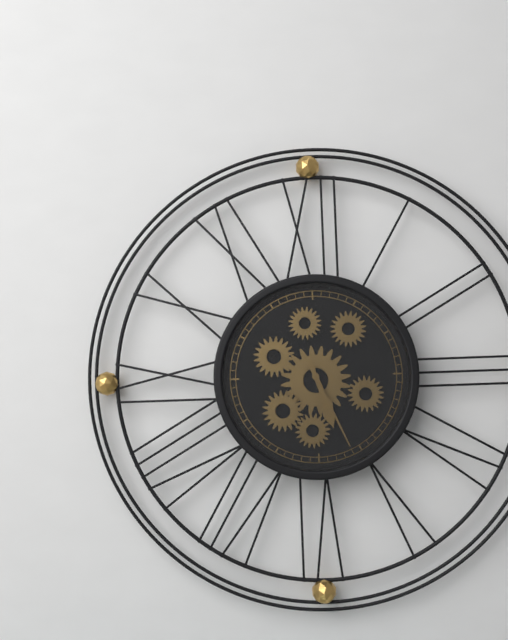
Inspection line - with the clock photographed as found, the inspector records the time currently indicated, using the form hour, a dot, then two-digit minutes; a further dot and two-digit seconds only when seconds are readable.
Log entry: 5.26
